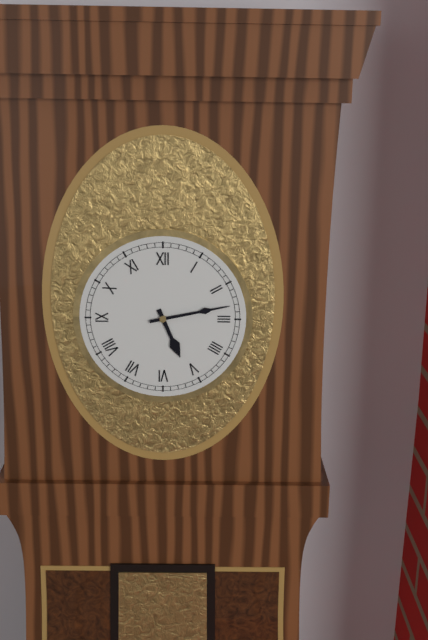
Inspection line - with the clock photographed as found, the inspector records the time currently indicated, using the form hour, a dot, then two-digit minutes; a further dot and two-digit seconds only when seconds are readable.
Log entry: 5.13
